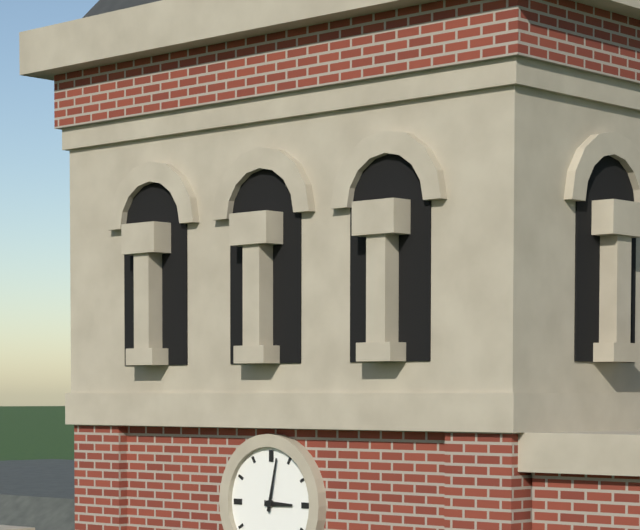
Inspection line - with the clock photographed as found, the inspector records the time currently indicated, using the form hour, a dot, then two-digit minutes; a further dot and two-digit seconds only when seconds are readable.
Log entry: 3.02
